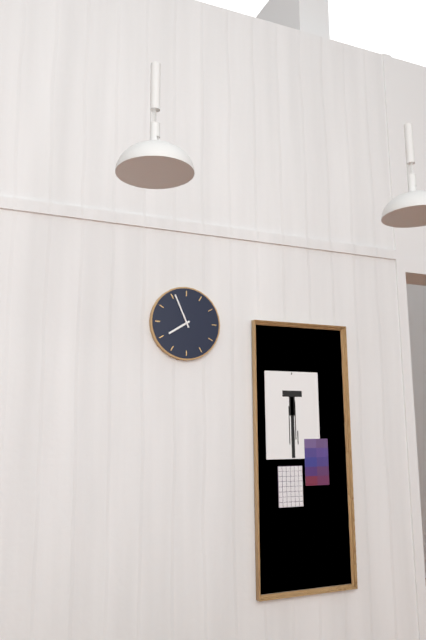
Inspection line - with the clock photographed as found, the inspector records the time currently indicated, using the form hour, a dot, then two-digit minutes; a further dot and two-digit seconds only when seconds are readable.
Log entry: 7.56
